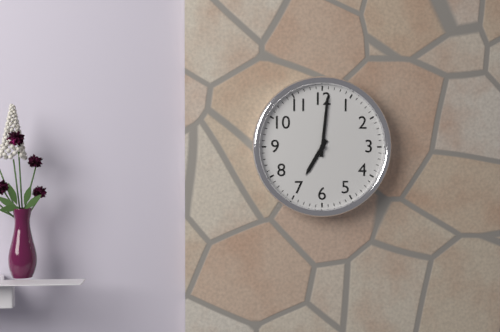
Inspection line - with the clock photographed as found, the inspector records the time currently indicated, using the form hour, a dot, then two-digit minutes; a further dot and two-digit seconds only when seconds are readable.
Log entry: 7.01
